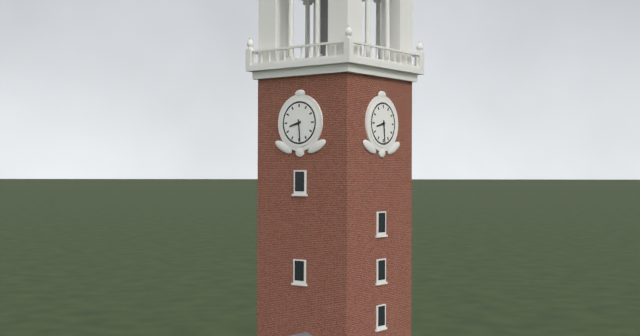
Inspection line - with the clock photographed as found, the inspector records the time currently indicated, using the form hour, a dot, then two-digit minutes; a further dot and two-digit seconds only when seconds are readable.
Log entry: 8.29
